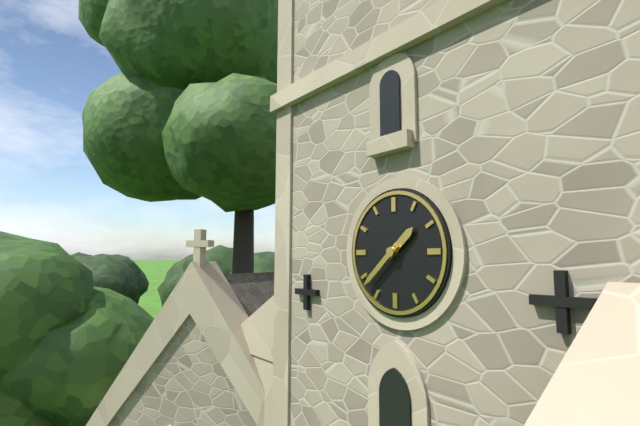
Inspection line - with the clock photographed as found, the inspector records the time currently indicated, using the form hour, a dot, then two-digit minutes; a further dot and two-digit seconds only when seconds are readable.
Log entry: 1.38
